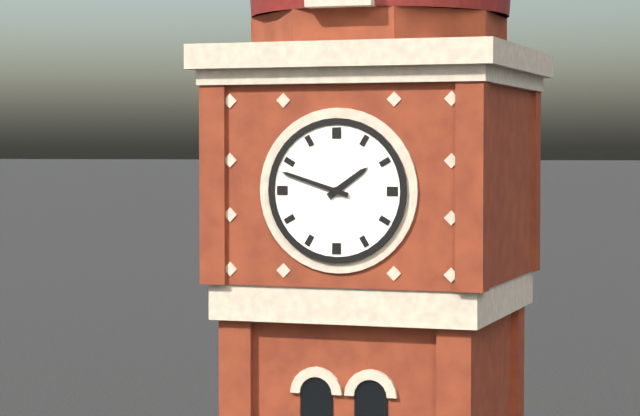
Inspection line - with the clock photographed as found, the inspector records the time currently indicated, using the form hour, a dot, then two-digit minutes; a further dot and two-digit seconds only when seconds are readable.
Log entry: 1.48
